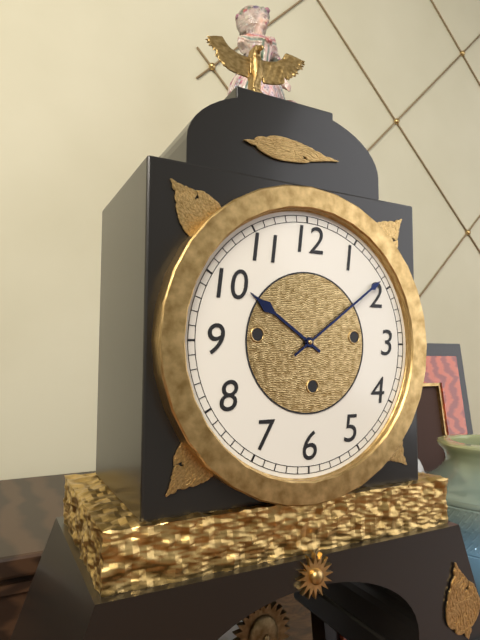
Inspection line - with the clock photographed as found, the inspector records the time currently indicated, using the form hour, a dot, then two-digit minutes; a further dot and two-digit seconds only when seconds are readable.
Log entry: 10.09
